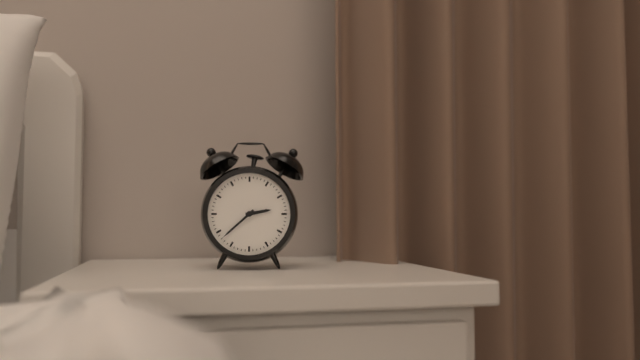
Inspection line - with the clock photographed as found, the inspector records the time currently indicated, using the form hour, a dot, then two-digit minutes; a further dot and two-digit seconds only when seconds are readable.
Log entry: 2.38
